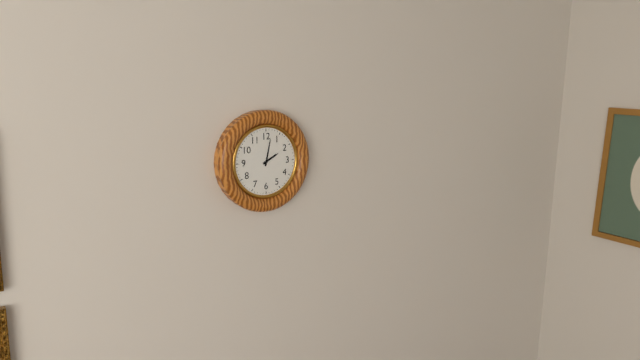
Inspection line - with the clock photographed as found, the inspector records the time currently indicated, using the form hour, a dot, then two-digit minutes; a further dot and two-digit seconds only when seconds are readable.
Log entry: 2.02
